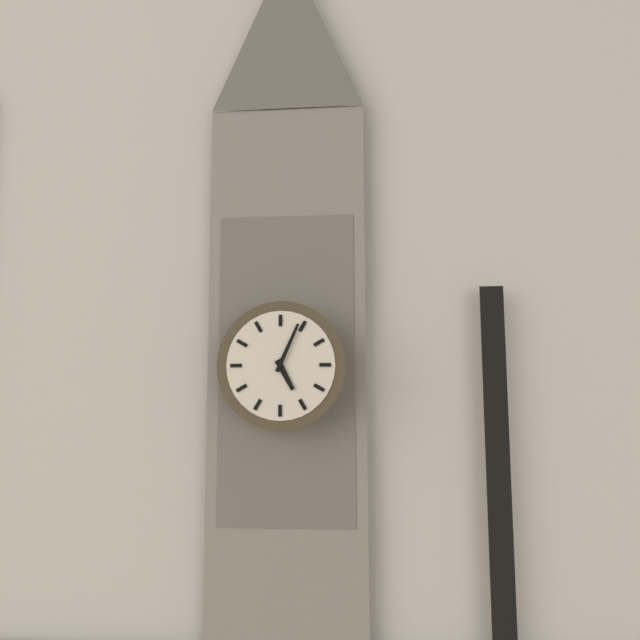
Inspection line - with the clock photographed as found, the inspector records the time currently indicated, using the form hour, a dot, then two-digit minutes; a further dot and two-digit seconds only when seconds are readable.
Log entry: 5.04
